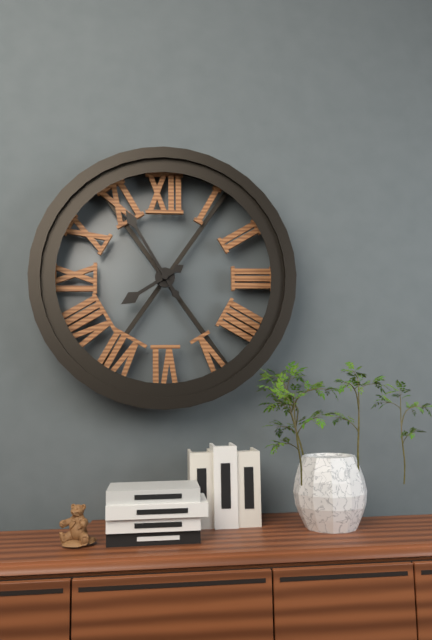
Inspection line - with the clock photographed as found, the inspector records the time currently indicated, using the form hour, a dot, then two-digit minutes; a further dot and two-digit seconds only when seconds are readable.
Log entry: 7.55
